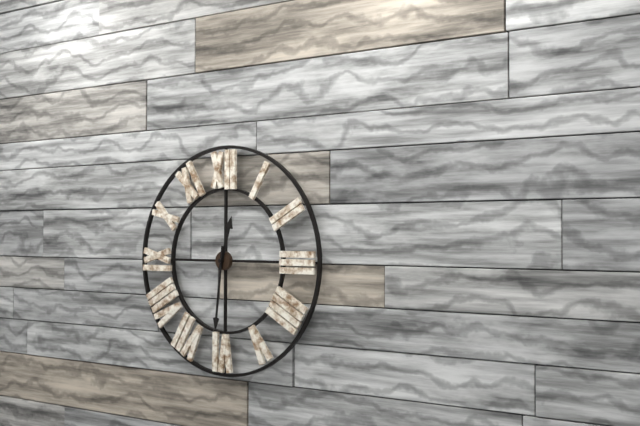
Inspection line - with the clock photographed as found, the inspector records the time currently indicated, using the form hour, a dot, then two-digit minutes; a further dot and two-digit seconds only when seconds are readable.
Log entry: 12.31
